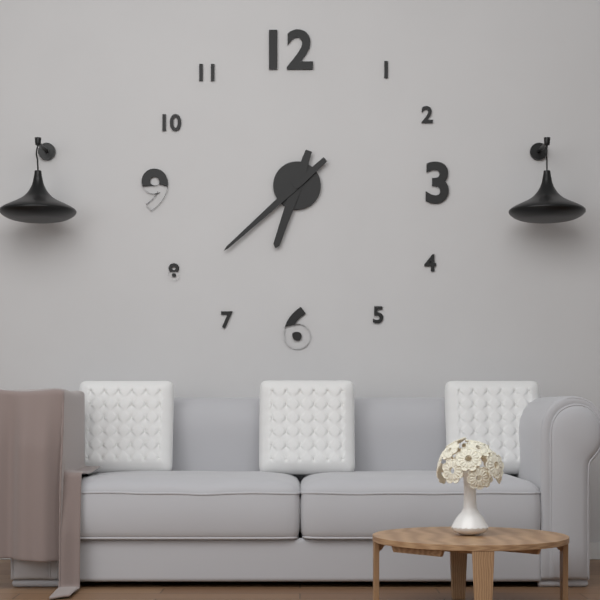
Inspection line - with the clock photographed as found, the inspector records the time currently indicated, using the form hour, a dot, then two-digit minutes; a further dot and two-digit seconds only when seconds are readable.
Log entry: 6.38
